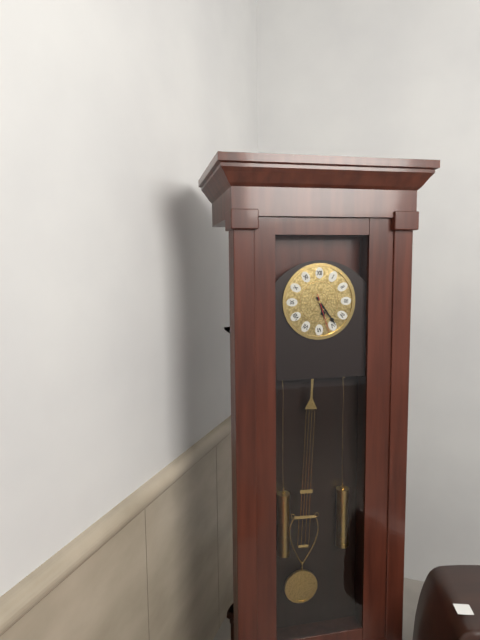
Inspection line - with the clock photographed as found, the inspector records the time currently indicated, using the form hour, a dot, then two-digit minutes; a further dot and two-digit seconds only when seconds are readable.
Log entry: 5.24
